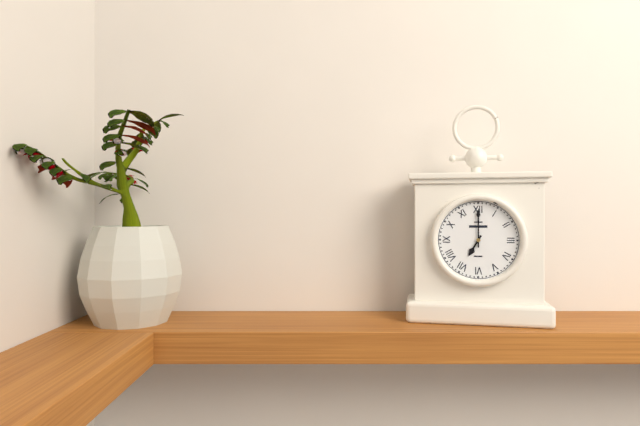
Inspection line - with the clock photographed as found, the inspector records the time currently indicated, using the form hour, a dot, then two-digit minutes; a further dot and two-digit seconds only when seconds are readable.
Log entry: 7.00
